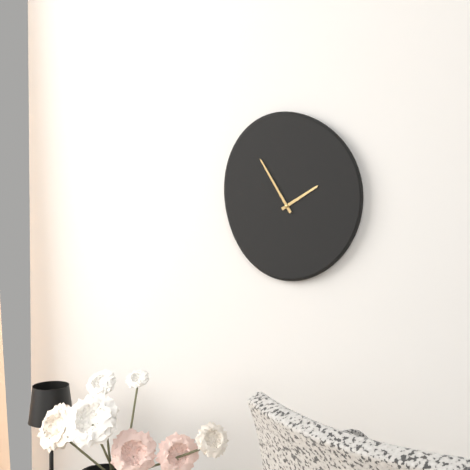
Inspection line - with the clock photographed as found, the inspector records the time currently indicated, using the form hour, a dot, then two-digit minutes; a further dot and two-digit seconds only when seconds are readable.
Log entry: 1.55
